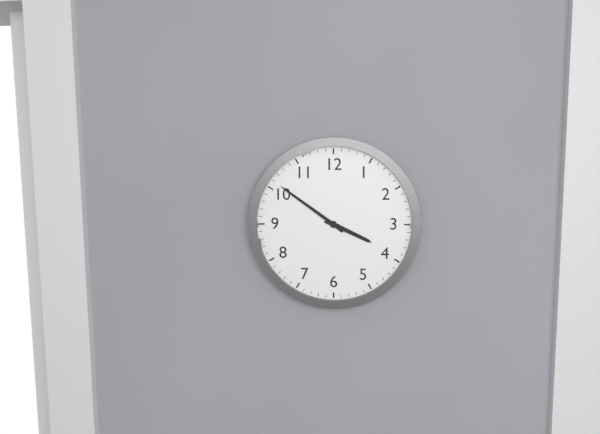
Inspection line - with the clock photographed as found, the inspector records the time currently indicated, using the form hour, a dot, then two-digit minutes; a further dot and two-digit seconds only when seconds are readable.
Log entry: 3.51
